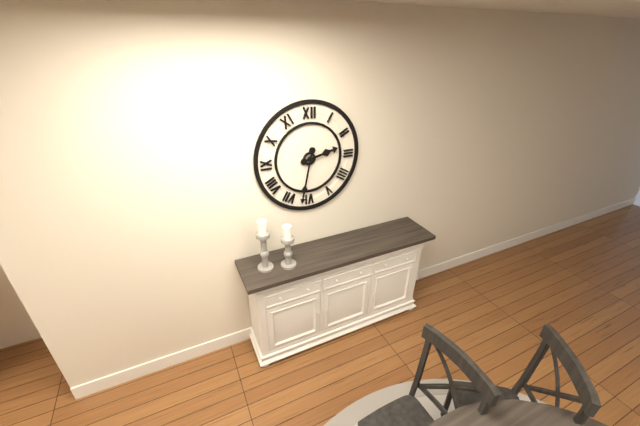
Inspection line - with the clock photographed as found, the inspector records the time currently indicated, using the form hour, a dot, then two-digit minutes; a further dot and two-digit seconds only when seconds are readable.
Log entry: 2.32
